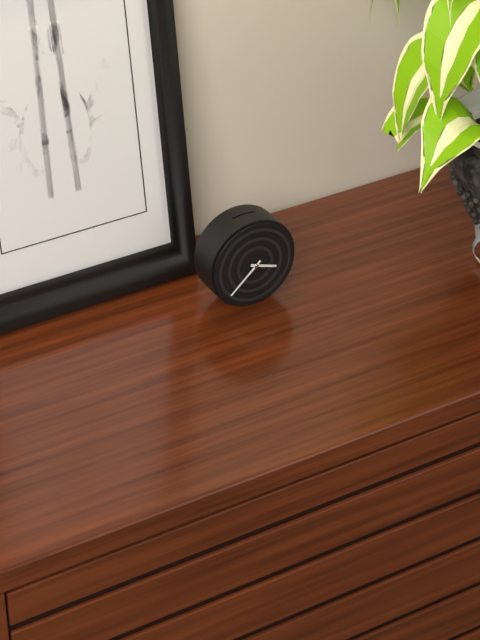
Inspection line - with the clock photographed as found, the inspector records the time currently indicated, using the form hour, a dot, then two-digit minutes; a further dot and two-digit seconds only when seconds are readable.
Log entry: 3.38
